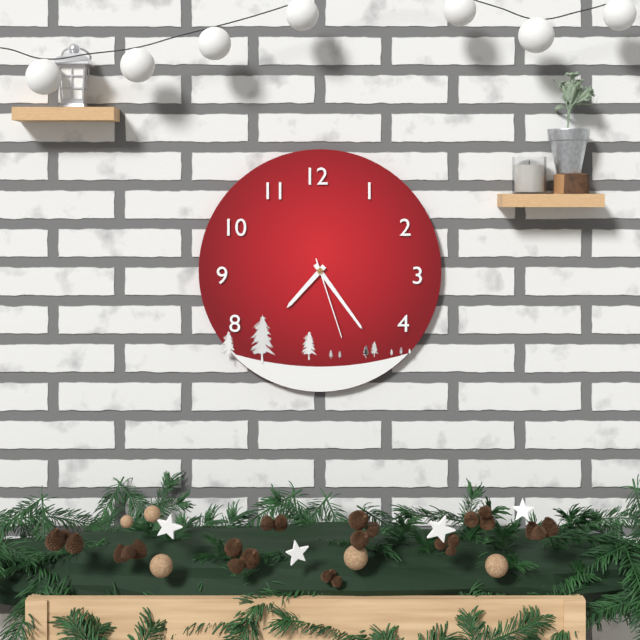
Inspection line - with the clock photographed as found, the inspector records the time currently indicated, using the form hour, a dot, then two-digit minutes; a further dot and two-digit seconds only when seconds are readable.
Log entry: 7.24.27
